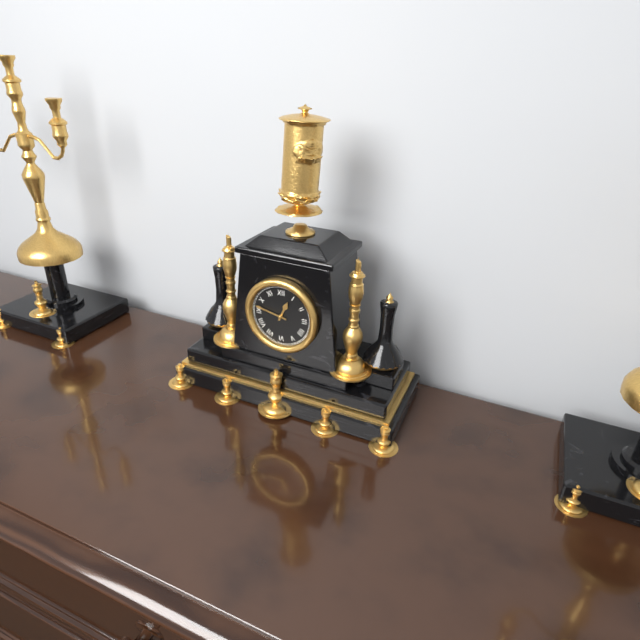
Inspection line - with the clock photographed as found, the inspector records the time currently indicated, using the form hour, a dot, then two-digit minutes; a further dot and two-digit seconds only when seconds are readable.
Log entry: 12.47
